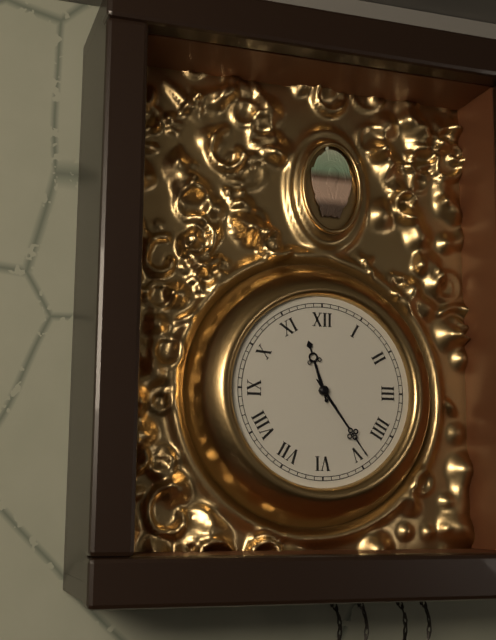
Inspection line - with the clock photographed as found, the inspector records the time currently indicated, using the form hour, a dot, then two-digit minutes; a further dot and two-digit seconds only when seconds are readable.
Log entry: 11.24
